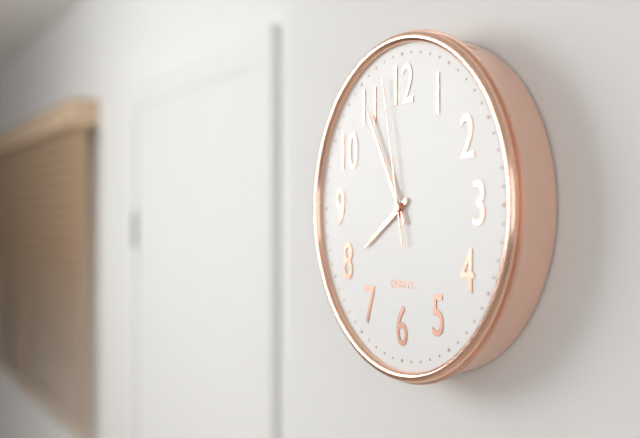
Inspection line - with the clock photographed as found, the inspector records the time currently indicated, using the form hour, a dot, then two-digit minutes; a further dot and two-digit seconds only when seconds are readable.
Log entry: 7.55.58
